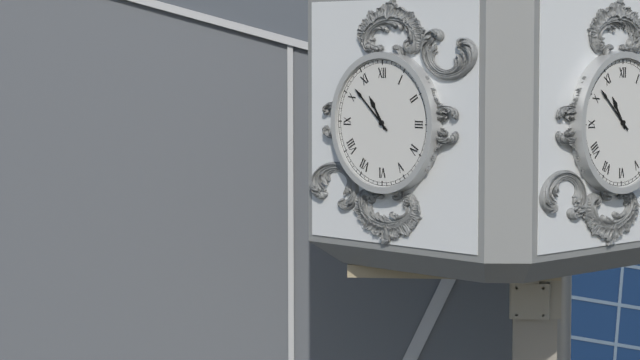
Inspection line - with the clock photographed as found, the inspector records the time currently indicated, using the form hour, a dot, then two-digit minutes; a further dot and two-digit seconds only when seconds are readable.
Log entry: 10.52
